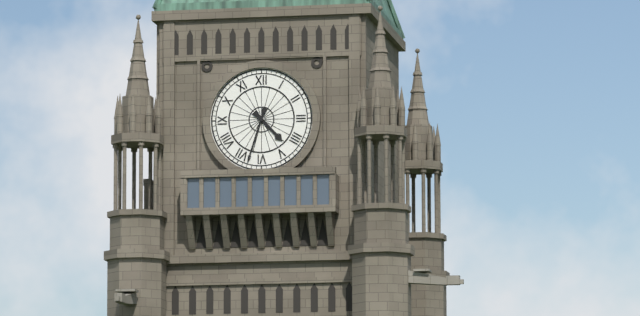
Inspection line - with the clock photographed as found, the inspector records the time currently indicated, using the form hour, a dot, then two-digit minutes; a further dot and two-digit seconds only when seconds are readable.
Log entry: 4.33
